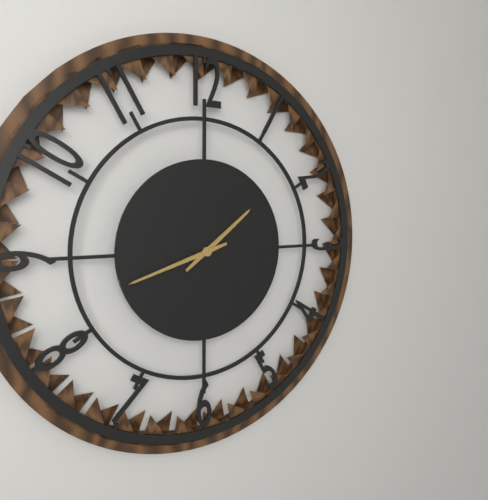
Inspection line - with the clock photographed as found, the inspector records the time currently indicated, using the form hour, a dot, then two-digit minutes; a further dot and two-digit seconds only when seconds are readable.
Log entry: 1.42
